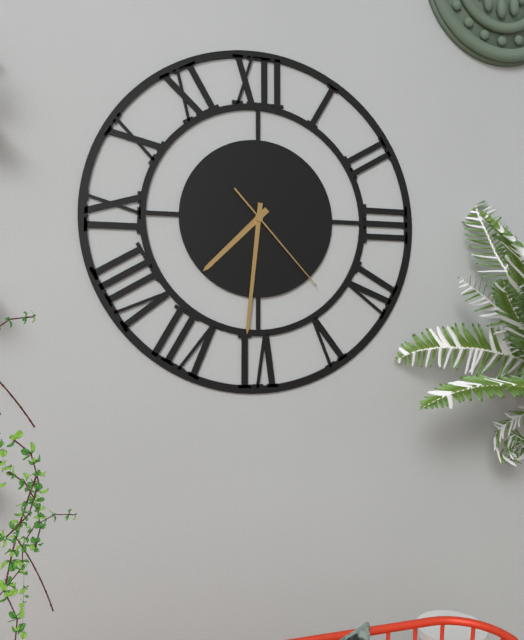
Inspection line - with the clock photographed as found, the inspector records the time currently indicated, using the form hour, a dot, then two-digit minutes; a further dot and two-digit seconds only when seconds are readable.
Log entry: 7.31.23
